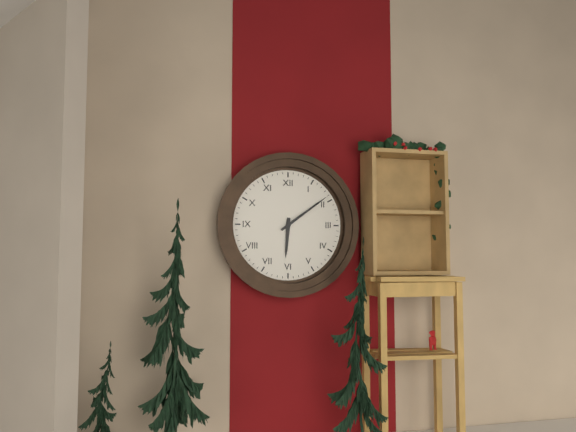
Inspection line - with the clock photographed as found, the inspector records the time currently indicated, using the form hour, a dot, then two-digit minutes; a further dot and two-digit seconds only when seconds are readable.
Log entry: 6.09
